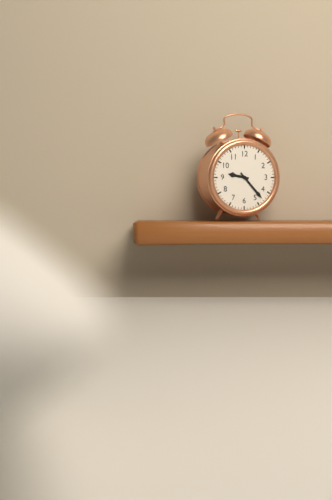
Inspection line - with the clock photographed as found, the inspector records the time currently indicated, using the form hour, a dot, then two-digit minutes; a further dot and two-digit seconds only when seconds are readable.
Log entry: 9.23
